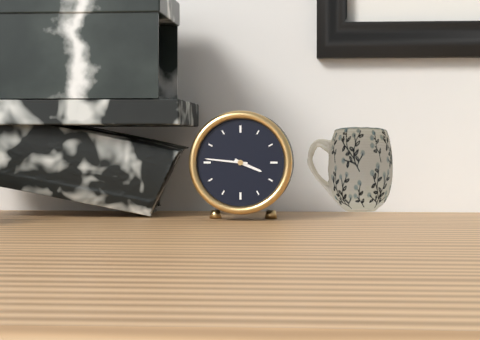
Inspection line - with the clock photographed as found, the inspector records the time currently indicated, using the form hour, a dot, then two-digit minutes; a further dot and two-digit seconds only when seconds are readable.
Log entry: 3.46
